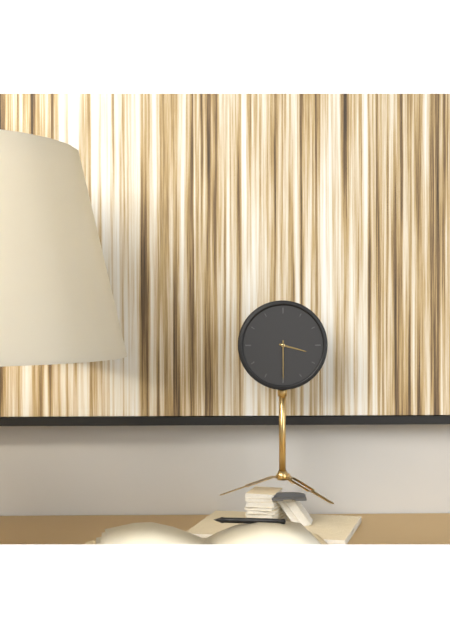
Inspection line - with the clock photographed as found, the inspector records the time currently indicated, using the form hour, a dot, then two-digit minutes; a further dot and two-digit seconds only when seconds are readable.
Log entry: 3.30
